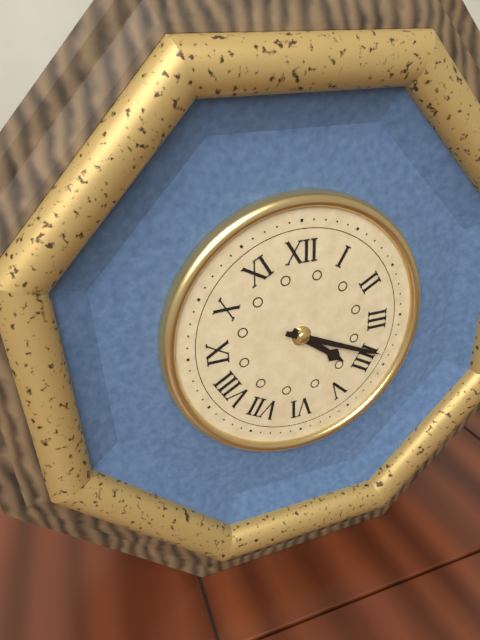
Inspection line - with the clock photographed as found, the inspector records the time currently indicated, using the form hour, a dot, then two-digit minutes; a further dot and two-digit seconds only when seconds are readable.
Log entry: 4.19
